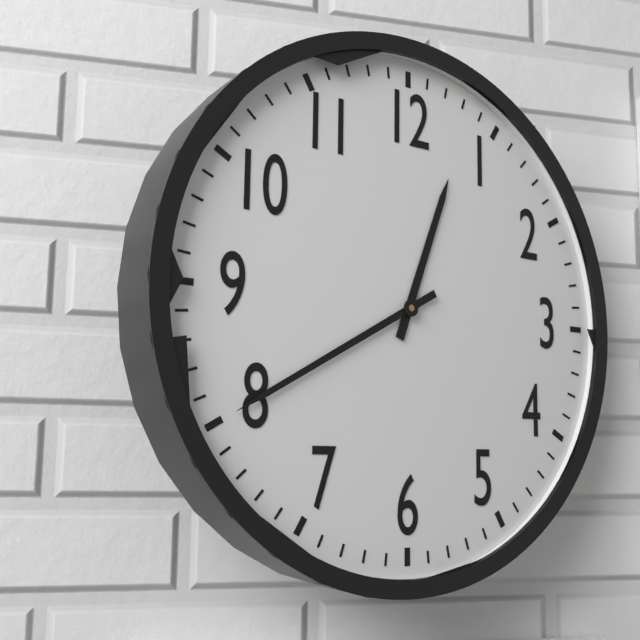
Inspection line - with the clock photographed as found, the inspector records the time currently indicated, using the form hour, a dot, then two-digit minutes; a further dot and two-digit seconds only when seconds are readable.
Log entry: 12.40
